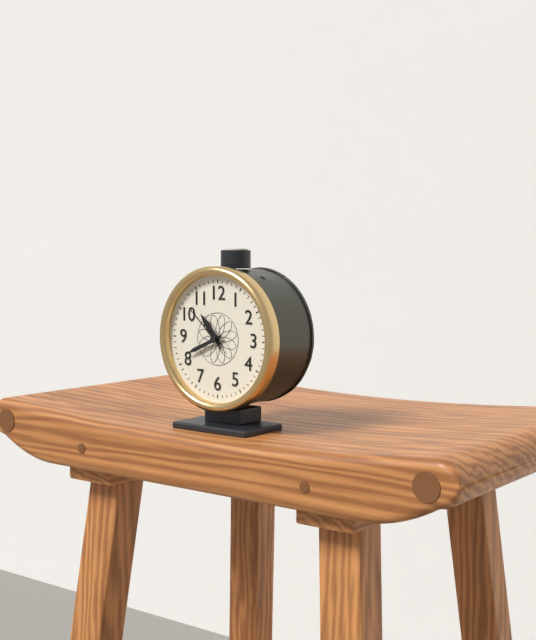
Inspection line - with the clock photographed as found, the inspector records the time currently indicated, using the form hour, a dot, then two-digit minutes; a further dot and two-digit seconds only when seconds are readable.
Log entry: 10.41.52
